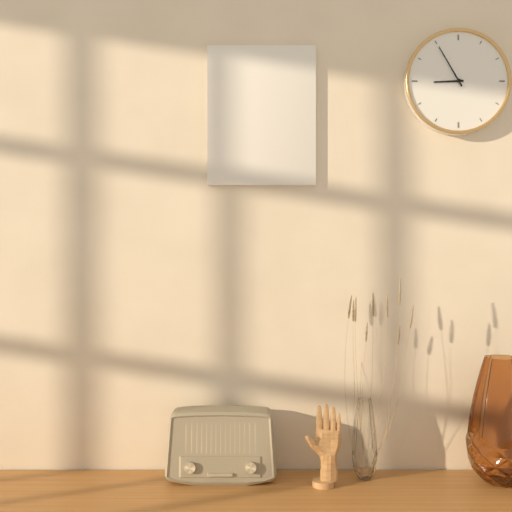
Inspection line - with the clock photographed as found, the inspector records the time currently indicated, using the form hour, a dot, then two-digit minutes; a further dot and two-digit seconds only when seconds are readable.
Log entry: 8.55
